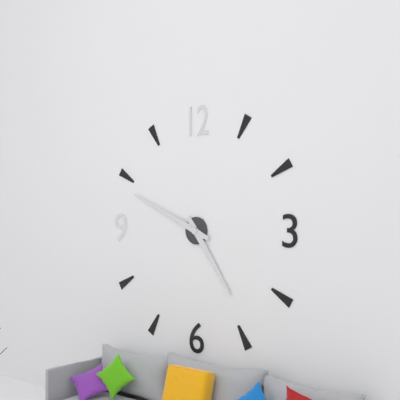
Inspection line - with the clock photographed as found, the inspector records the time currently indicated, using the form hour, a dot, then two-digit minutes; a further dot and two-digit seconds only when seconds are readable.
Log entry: 4.49
